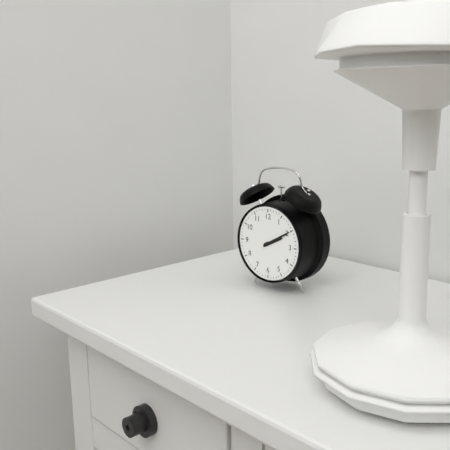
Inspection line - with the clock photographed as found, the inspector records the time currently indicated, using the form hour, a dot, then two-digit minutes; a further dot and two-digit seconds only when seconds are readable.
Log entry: 2.10
